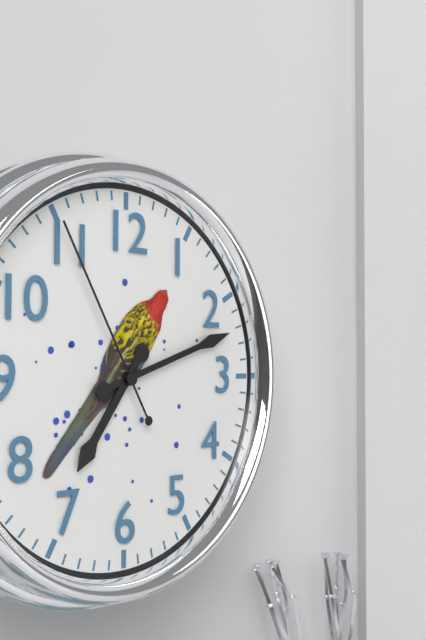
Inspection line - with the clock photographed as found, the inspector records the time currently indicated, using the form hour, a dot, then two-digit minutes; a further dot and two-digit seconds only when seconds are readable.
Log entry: 7.12.55
